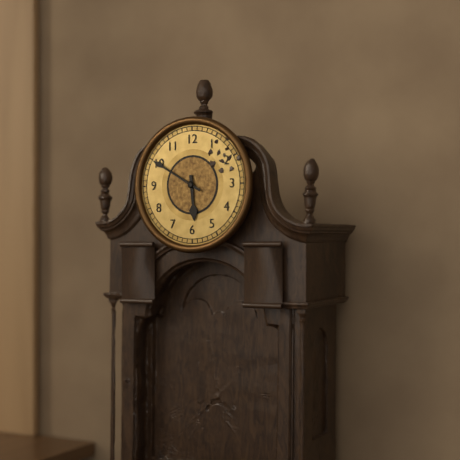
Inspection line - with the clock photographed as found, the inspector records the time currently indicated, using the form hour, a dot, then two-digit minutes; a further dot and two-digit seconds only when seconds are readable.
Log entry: 5.50
